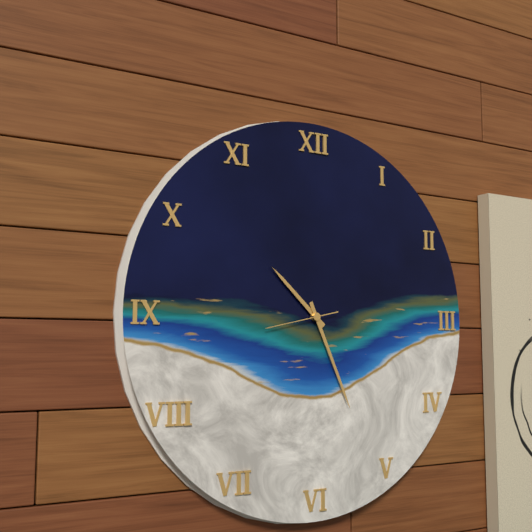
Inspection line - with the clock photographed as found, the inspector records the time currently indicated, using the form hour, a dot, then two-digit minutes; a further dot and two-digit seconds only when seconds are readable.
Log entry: 10.26.43
